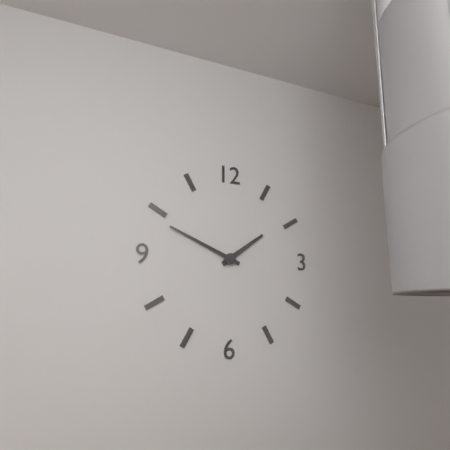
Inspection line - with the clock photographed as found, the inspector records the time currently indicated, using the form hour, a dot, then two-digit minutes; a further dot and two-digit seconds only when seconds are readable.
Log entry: 1.49
